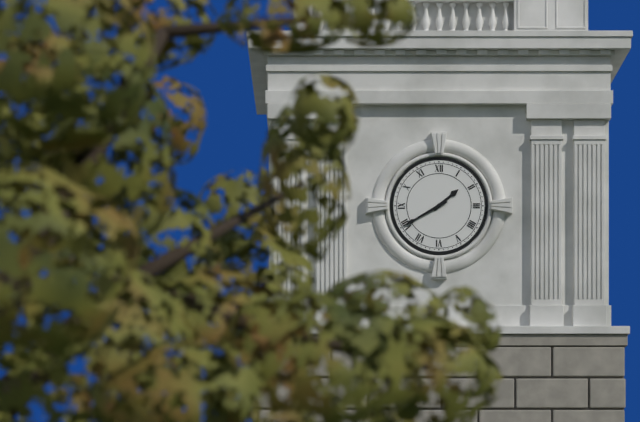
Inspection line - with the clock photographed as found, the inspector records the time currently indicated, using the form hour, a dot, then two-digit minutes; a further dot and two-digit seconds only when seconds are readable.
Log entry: 1.40
